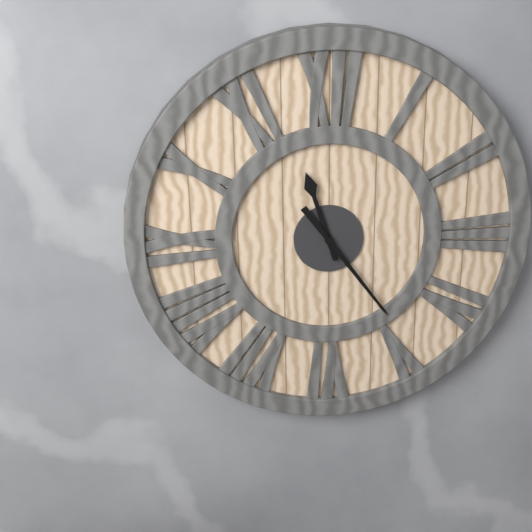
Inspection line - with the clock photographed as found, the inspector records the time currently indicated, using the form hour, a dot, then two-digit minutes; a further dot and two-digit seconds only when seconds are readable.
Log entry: 11.24
